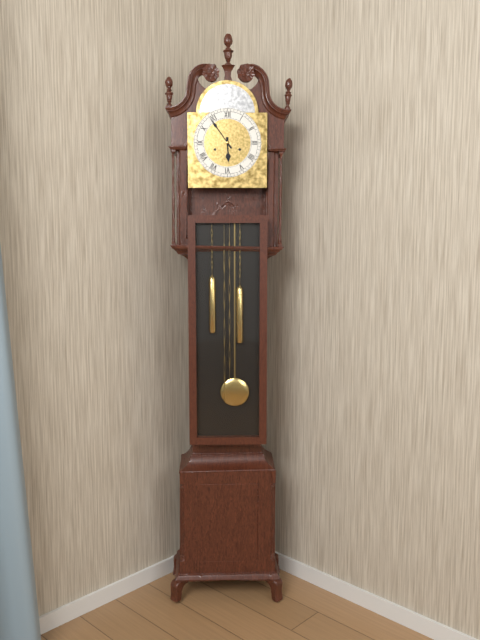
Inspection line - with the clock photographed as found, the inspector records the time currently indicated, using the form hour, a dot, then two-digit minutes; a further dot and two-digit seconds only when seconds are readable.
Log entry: 5.54
